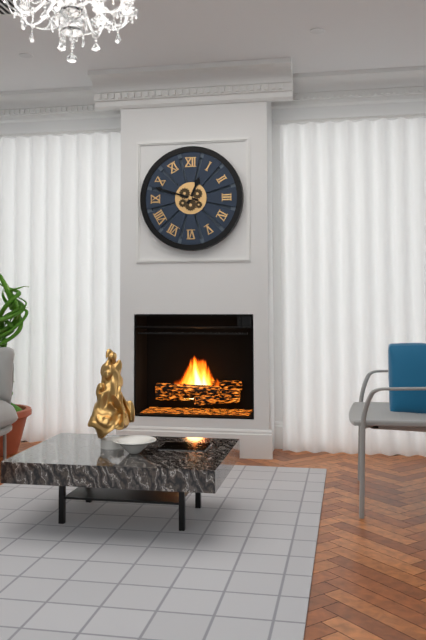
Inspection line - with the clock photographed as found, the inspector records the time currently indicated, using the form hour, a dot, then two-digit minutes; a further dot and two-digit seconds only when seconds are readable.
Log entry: 12.48
